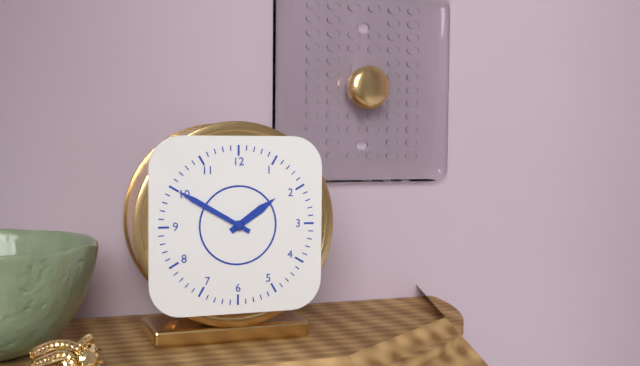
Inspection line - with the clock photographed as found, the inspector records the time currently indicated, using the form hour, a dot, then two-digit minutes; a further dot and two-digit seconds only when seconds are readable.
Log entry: 1.50
